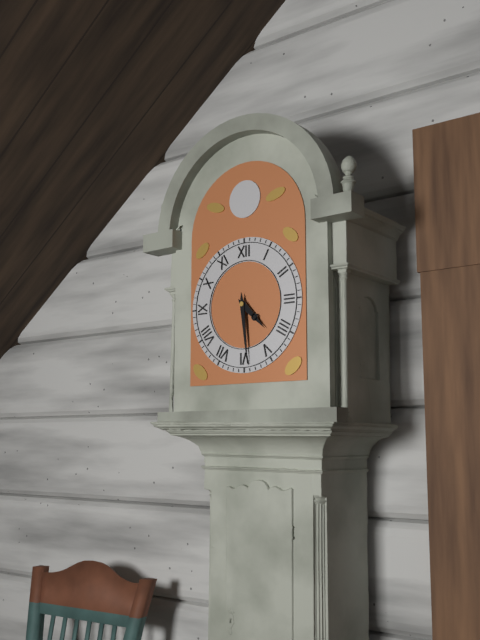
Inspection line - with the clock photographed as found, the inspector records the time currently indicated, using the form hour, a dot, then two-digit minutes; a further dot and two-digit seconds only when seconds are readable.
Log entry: 4.29
